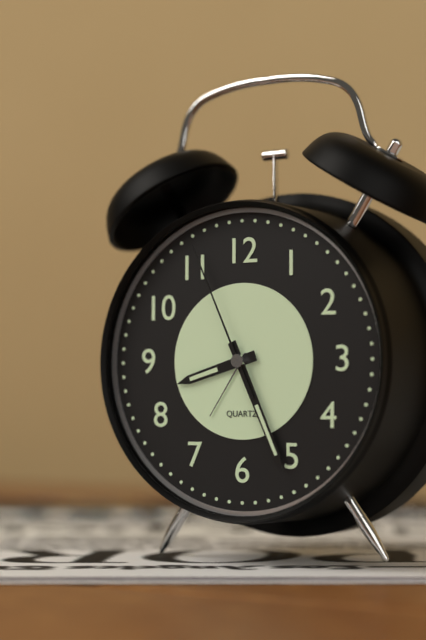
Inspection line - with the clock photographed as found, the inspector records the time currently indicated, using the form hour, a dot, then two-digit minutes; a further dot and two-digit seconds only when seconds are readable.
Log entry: 8.26.56
